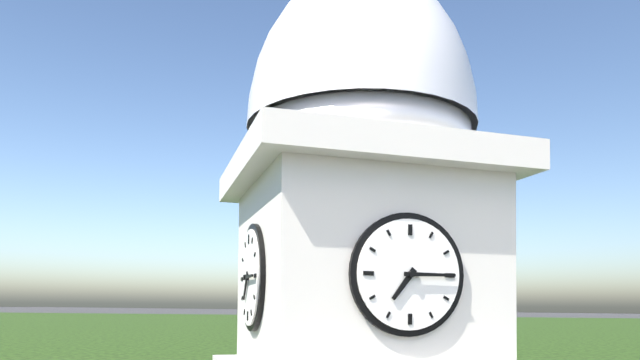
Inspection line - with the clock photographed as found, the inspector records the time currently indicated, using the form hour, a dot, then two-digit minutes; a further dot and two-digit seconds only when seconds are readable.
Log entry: 7.15
